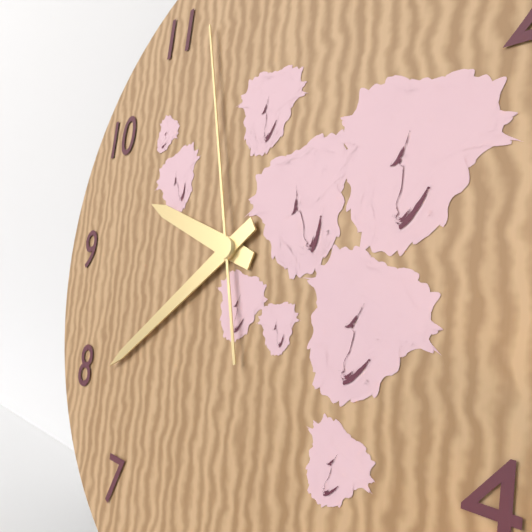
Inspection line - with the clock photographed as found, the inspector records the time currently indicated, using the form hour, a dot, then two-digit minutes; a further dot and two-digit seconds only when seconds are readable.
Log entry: 9.39.57
